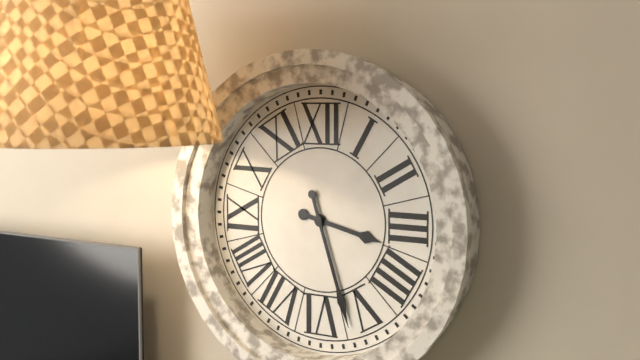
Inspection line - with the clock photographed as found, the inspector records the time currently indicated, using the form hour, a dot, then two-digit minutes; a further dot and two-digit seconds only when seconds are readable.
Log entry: 3.27
